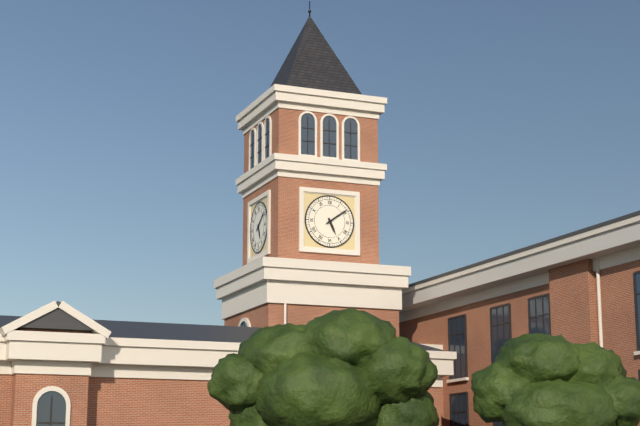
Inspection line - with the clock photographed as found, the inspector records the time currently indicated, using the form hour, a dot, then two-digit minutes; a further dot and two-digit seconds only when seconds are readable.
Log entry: 5.09
